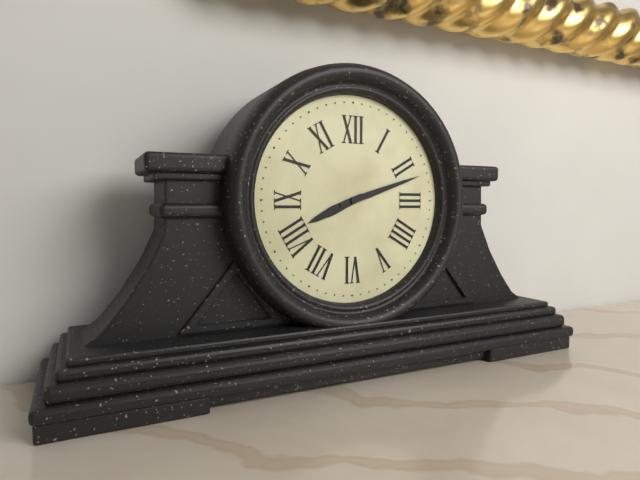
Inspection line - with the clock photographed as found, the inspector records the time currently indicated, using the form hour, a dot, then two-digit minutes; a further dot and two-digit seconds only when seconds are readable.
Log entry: 8.12
